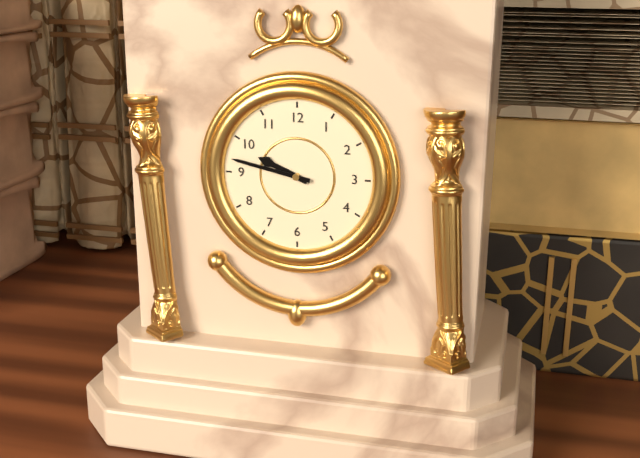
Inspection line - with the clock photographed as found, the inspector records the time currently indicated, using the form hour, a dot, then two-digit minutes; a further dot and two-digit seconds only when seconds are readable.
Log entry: 9.47
